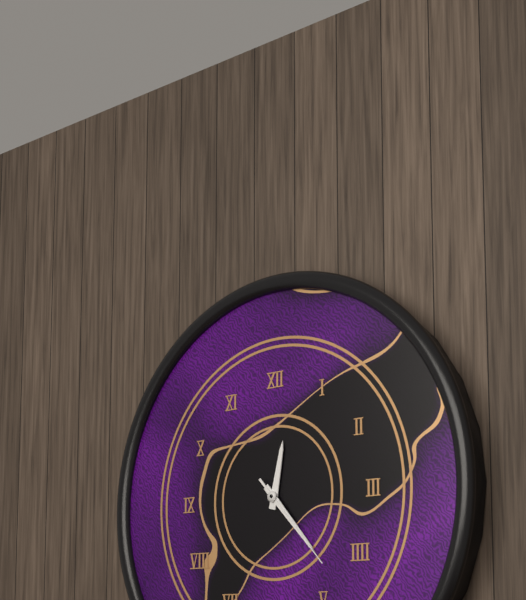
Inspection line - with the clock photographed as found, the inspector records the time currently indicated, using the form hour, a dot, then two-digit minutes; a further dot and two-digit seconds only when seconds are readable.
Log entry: 12.23.23
